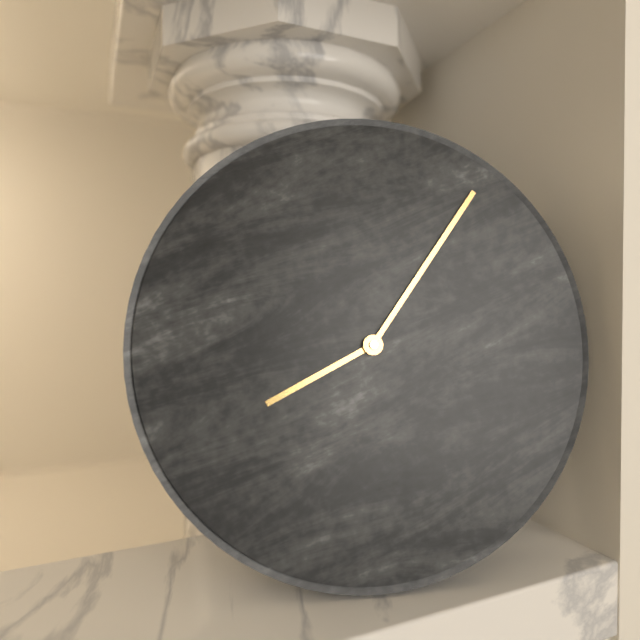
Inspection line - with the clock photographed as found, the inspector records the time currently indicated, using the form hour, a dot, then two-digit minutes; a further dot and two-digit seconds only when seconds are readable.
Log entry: 8.06
